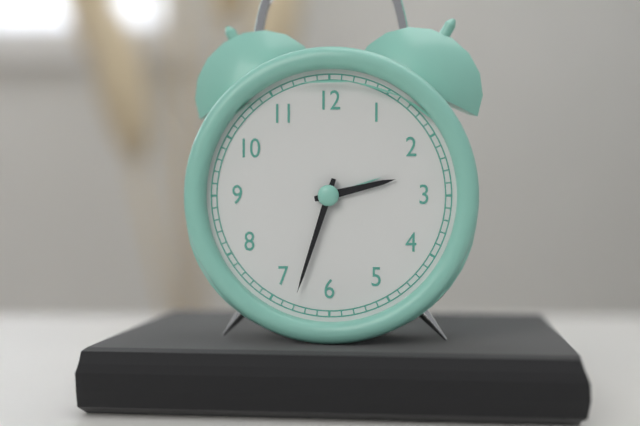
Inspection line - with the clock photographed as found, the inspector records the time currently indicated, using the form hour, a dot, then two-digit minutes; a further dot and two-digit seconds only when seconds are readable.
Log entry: 2.33
